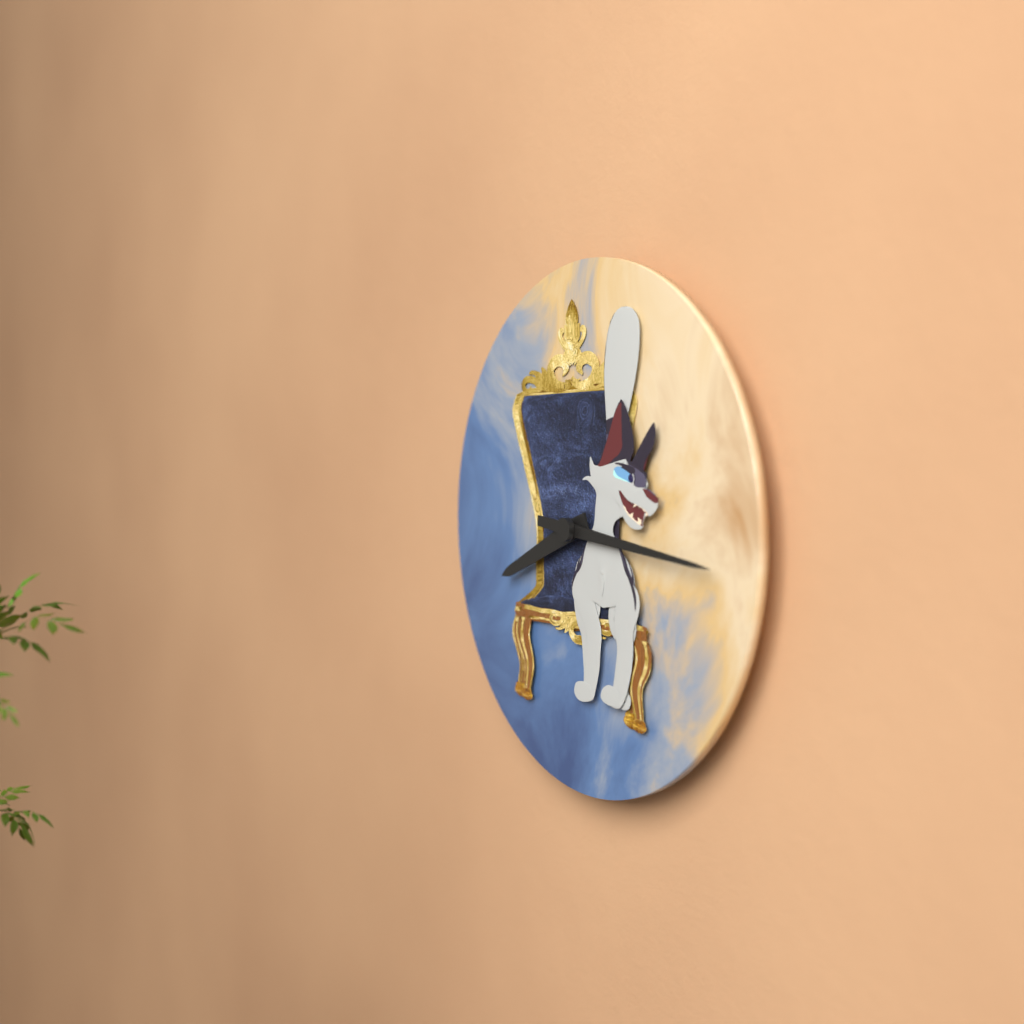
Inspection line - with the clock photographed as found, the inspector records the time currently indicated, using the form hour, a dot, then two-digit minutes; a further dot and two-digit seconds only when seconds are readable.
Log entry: 8.16
